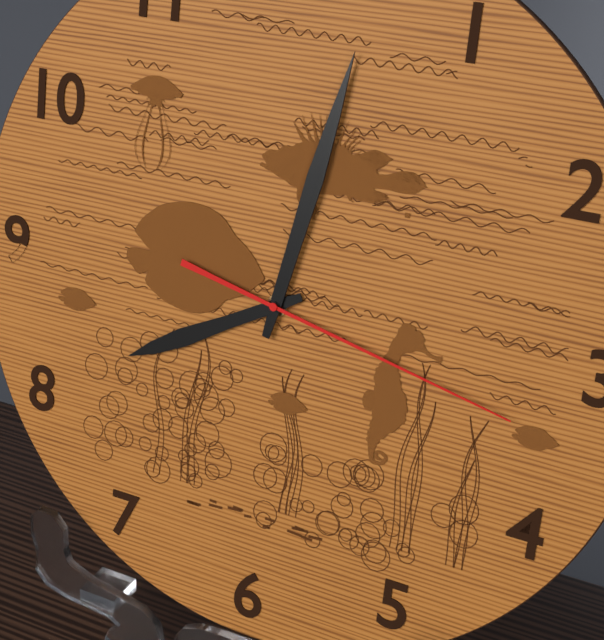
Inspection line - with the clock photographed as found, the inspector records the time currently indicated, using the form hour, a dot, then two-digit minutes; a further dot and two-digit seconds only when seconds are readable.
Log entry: 8.02.17
